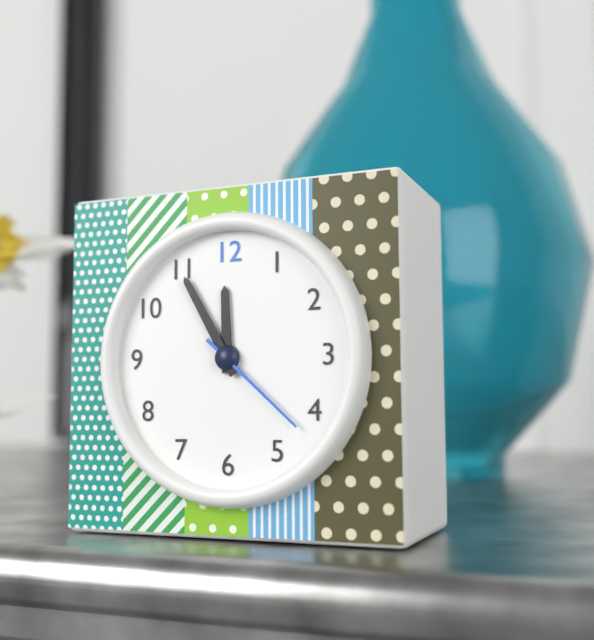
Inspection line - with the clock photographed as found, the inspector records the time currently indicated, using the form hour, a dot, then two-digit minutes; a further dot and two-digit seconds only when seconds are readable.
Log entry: 11.55.22
